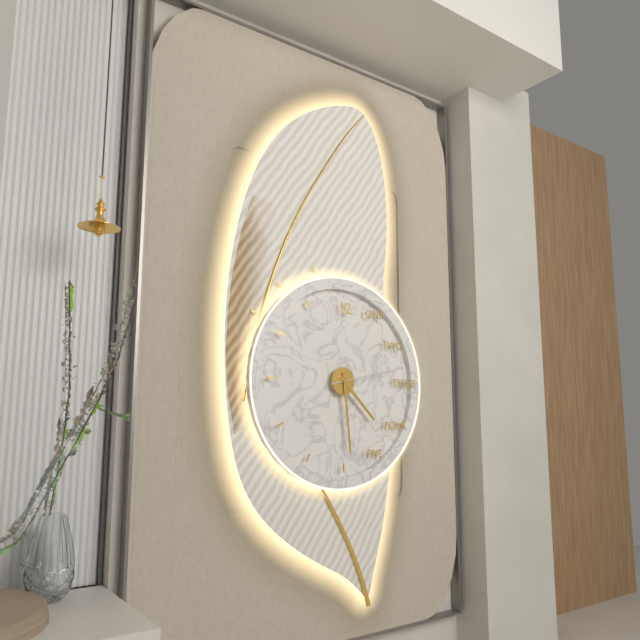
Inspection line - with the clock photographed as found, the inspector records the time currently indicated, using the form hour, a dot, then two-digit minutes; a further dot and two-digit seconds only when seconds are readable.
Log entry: 4.29.13
